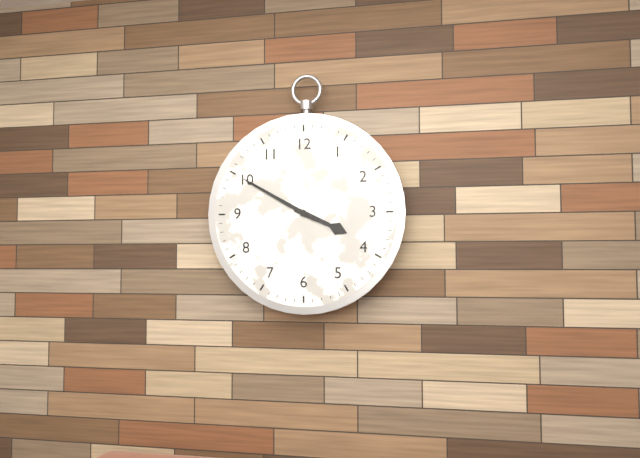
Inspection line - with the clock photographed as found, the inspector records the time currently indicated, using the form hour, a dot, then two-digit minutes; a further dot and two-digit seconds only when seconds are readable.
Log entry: 3.50
